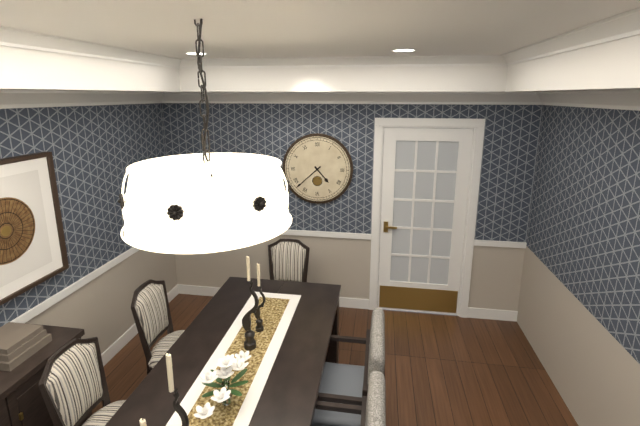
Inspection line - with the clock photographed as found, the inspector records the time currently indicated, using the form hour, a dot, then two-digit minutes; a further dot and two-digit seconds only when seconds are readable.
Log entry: 4.38
